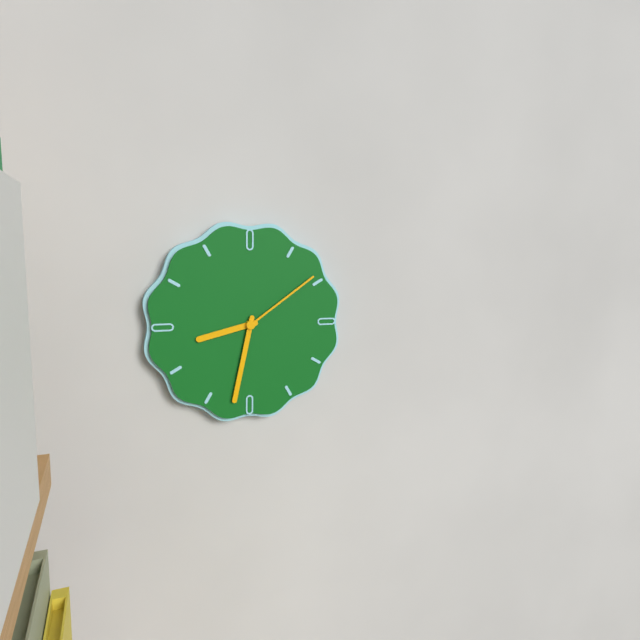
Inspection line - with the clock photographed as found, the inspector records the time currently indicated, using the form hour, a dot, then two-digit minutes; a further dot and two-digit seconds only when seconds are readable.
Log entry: 8.32.09
